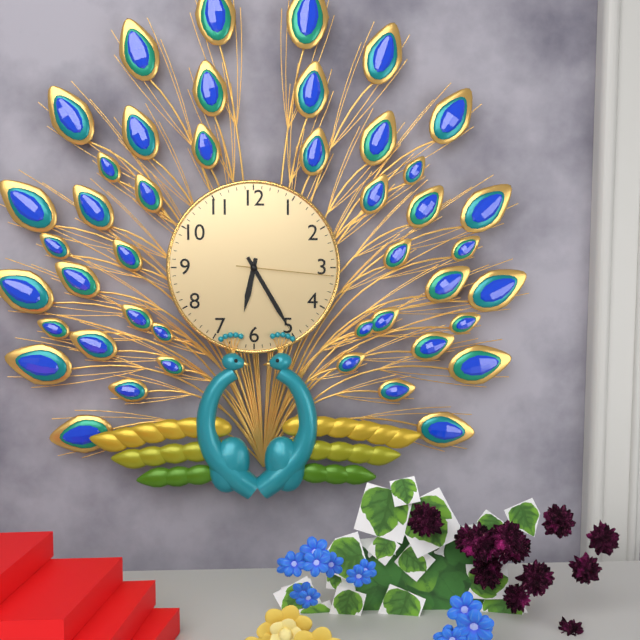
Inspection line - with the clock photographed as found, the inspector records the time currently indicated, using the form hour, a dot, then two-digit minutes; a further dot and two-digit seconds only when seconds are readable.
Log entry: 6.25.16
